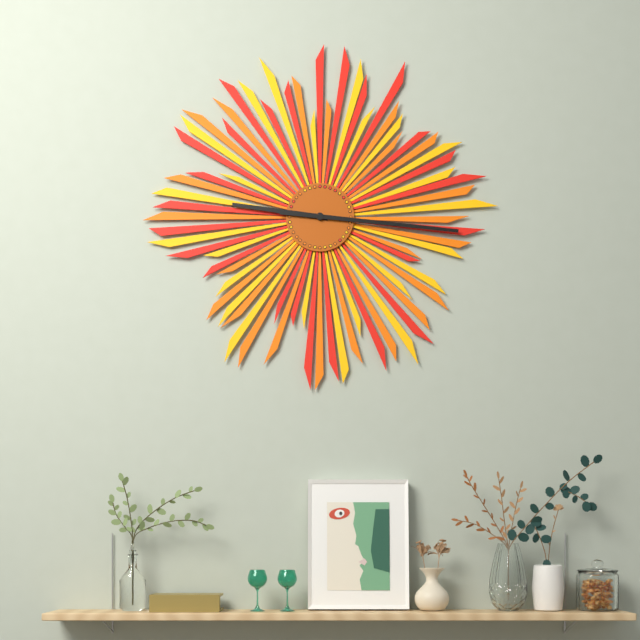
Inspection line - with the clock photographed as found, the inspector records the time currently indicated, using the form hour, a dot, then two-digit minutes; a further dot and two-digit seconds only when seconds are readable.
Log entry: 9.16
